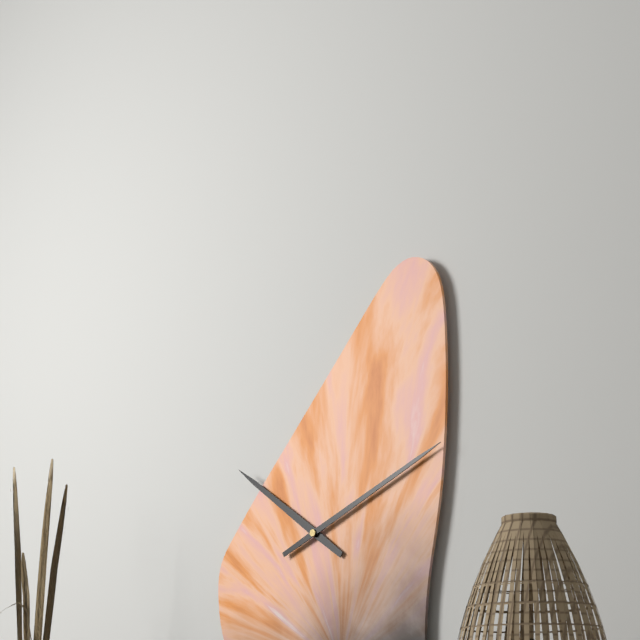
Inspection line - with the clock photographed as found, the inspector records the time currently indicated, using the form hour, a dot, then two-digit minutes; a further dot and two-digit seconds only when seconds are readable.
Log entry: 10.11
